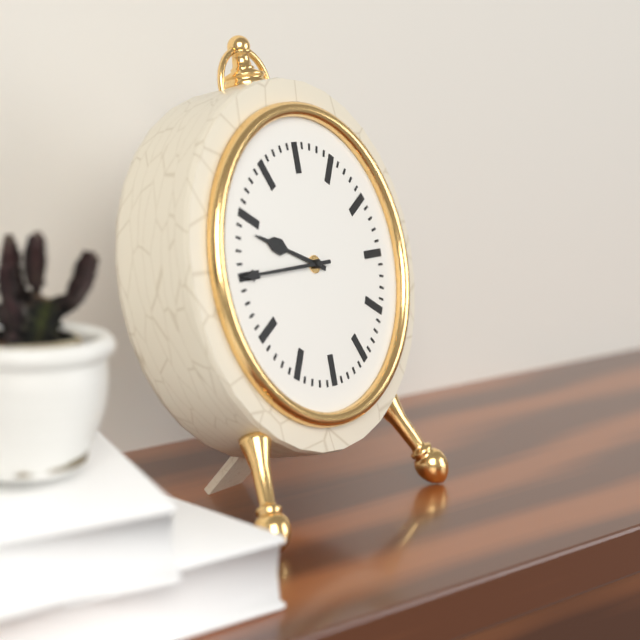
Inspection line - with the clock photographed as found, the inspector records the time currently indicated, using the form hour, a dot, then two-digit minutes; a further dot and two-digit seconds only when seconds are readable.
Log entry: 9.45
